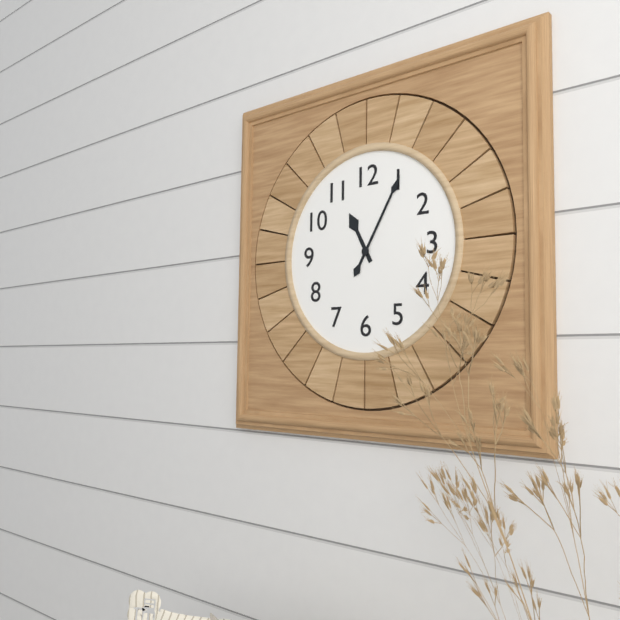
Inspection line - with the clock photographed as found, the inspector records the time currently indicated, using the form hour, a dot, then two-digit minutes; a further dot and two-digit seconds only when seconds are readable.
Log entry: 11.05
